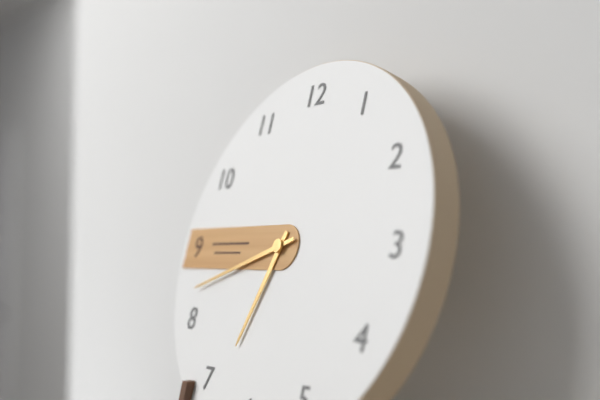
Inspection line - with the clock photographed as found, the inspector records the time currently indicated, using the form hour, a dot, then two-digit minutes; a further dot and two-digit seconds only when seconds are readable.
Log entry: 6.42
